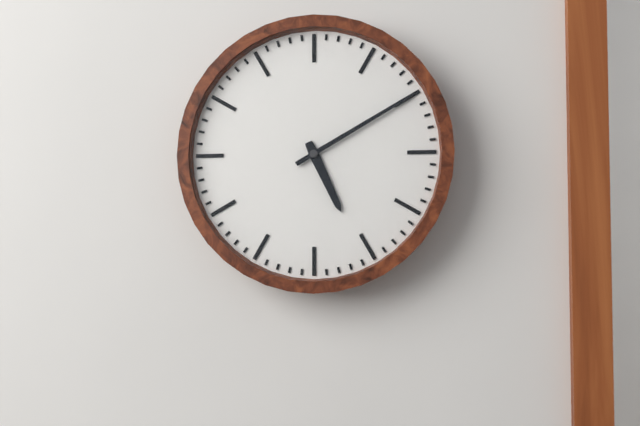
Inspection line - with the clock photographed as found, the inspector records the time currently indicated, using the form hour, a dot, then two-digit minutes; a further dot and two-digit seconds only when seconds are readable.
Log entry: 5.10
